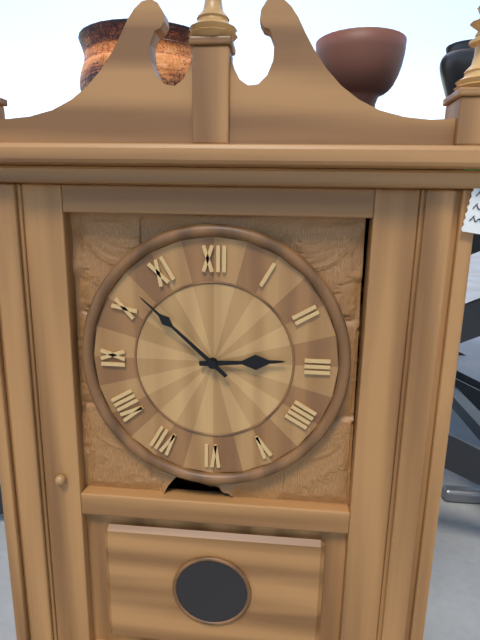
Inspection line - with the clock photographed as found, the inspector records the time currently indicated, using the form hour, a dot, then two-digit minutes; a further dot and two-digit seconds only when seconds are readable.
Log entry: 2.52
